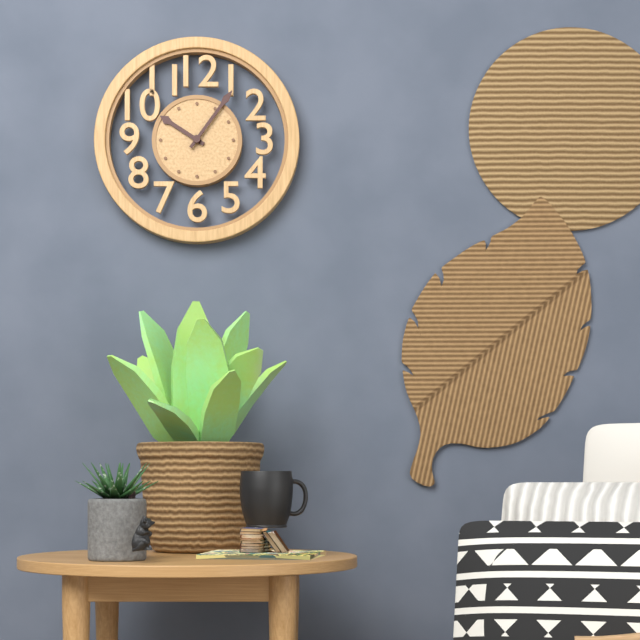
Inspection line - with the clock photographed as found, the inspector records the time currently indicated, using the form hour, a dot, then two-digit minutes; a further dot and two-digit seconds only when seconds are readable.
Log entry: 10.06
